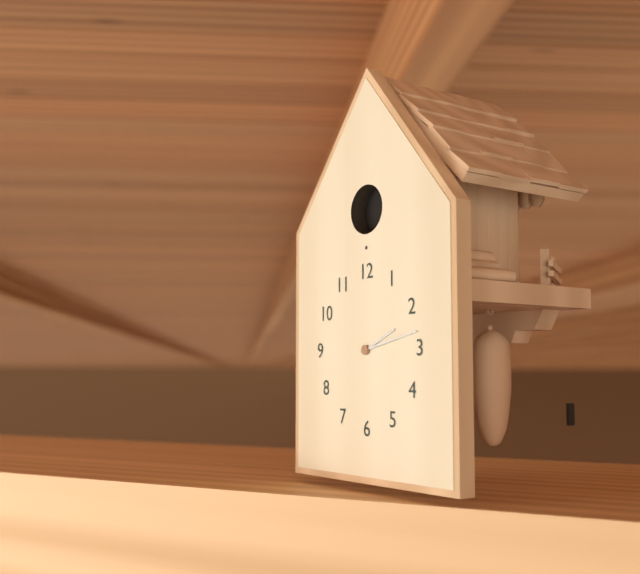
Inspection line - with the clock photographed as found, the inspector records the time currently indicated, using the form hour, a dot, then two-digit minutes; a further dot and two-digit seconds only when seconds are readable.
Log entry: 2.13
